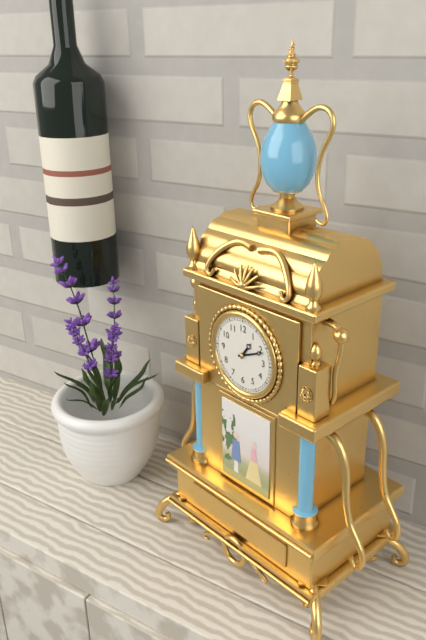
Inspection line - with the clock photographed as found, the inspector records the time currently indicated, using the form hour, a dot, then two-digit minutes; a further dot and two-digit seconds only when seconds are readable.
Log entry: 1.11
